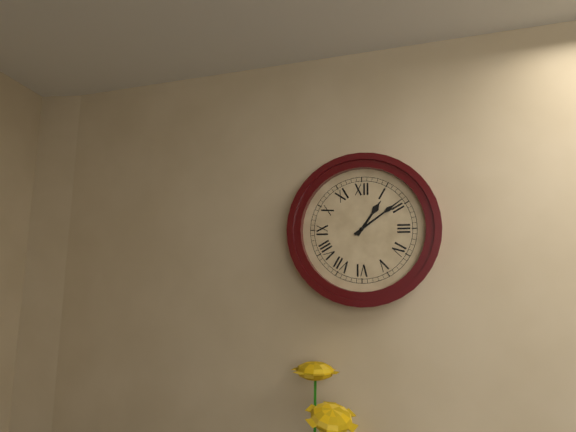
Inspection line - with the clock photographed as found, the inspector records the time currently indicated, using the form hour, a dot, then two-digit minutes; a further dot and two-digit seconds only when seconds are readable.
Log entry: 1.09
